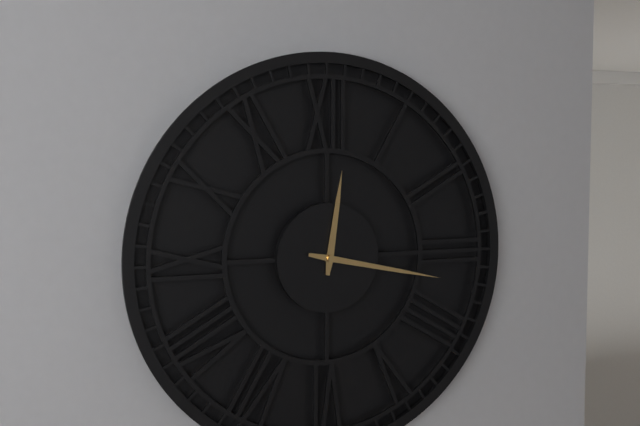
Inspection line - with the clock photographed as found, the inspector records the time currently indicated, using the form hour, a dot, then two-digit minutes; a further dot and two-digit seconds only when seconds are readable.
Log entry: 12.17
